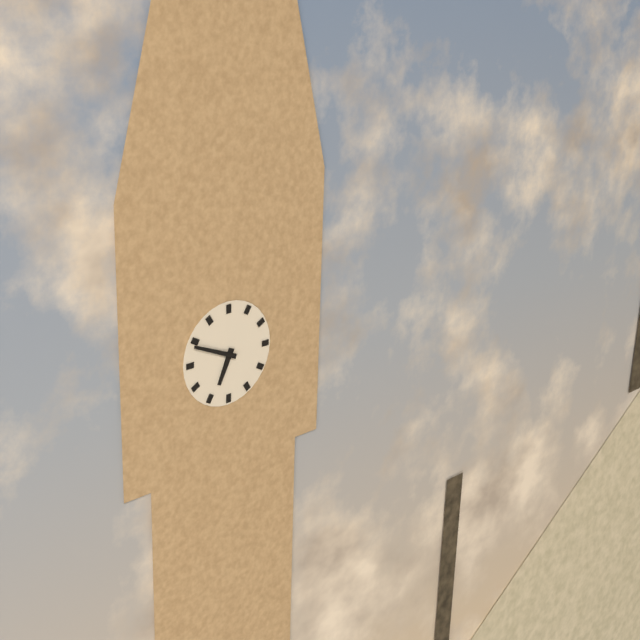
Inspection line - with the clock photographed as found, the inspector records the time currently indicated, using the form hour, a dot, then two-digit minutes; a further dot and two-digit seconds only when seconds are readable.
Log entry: 6.49
